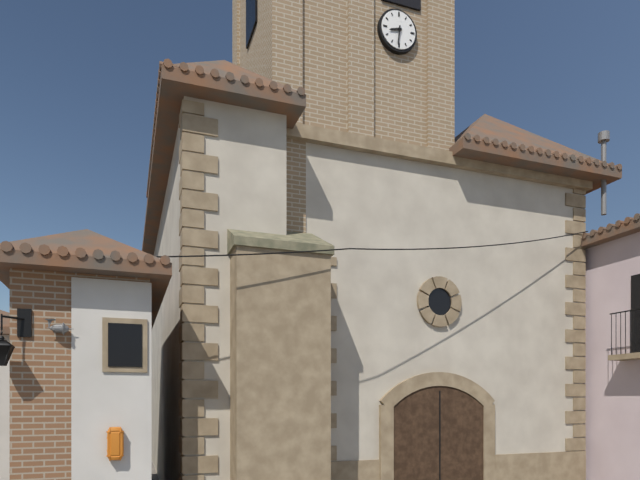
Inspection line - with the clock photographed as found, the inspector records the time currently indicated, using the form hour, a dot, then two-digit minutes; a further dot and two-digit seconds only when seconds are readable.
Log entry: 8.31
